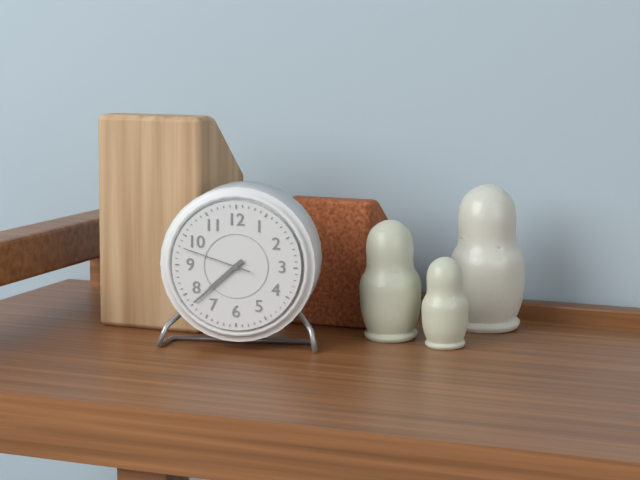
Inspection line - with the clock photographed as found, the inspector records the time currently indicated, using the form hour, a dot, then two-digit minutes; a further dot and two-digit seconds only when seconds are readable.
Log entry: 7.38.48
